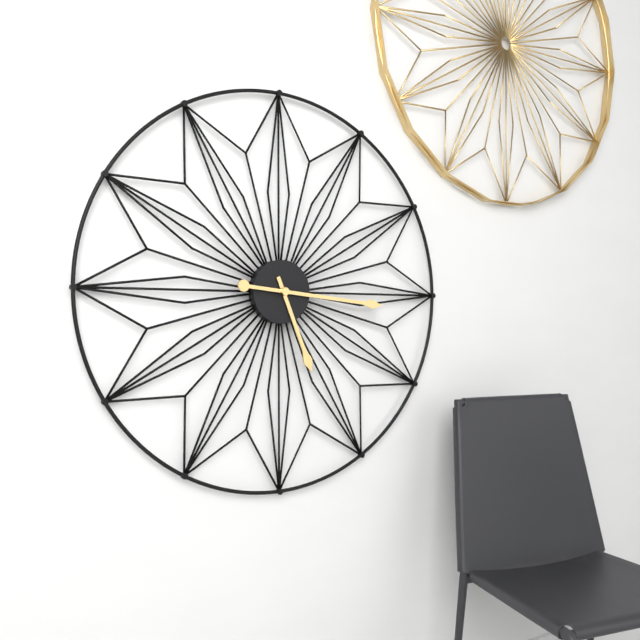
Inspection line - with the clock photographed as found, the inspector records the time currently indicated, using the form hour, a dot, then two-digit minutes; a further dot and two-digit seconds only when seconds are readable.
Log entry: 5.16
